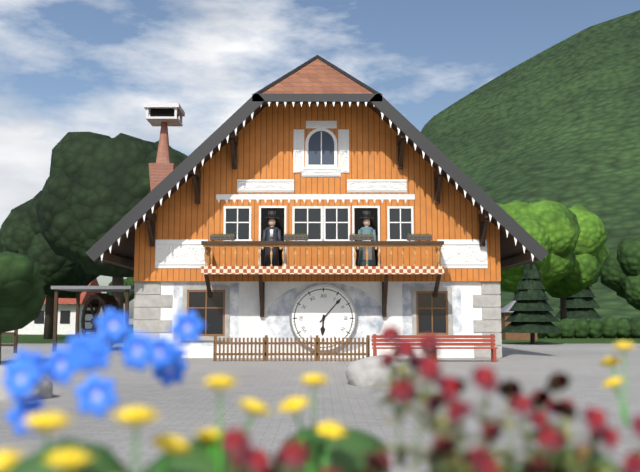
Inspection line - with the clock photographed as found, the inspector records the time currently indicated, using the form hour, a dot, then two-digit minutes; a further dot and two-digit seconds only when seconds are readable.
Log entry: 6.07
